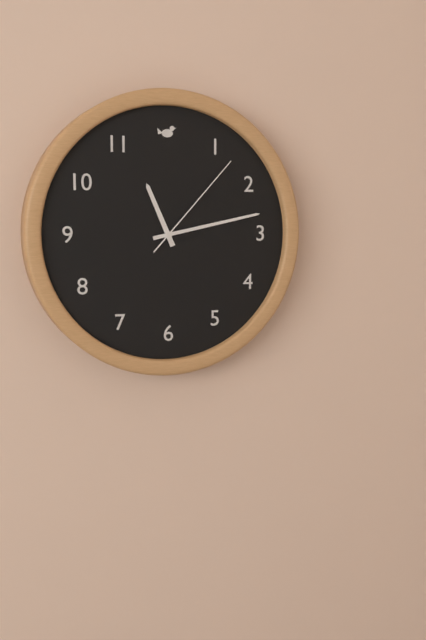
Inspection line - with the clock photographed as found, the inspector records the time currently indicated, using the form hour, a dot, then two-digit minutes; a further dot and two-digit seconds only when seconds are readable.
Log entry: 11.13.07
